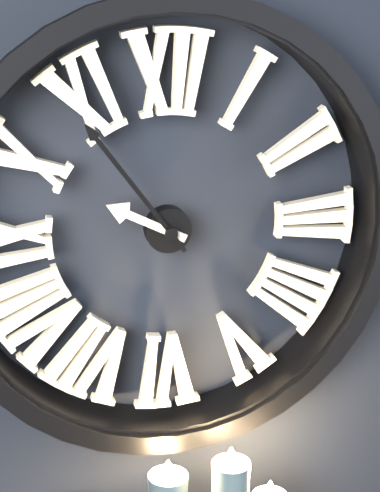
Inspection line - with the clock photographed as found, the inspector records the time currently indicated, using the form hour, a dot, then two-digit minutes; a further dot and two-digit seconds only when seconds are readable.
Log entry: 9.54
